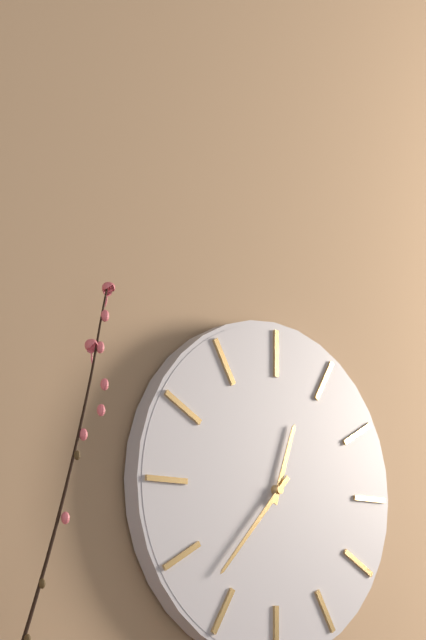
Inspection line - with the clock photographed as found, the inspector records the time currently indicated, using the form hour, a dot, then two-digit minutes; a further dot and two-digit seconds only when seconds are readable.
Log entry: 12.37
